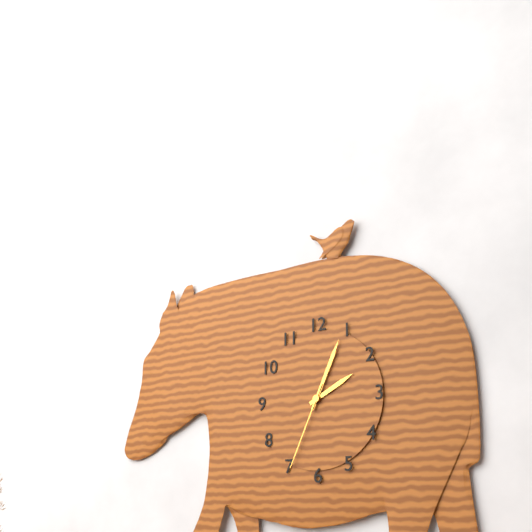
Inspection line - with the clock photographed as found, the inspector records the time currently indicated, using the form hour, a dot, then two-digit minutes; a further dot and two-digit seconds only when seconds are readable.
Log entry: 2.04.34
